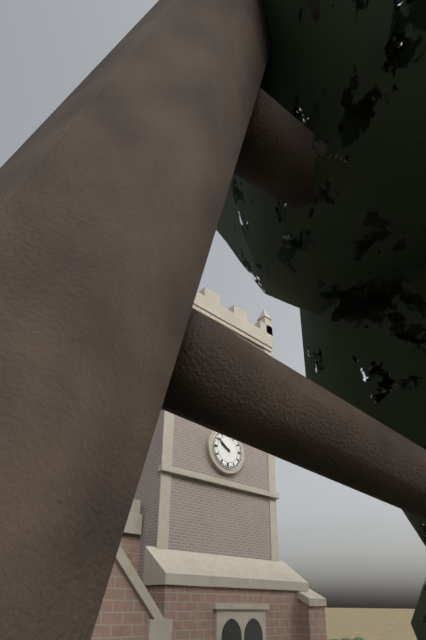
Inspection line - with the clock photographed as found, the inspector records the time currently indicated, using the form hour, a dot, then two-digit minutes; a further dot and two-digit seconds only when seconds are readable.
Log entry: 9.51
